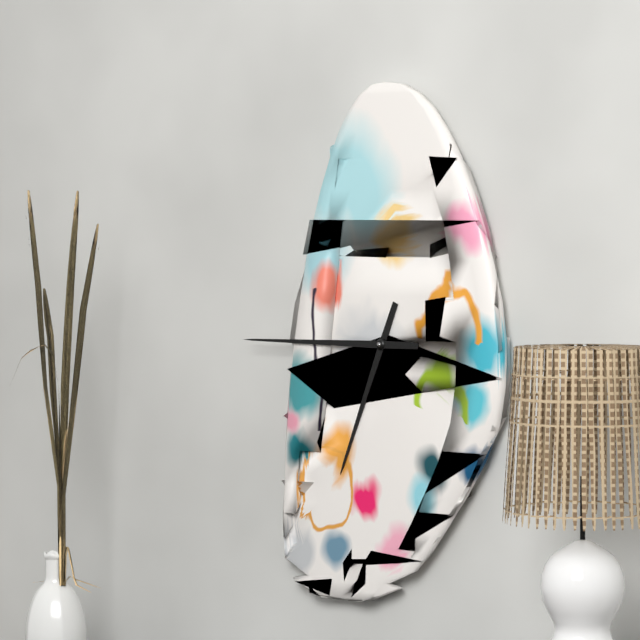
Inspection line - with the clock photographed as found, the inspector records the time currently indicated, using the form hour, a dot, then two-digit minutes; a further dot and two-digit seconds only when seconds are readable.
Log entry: 6.45
